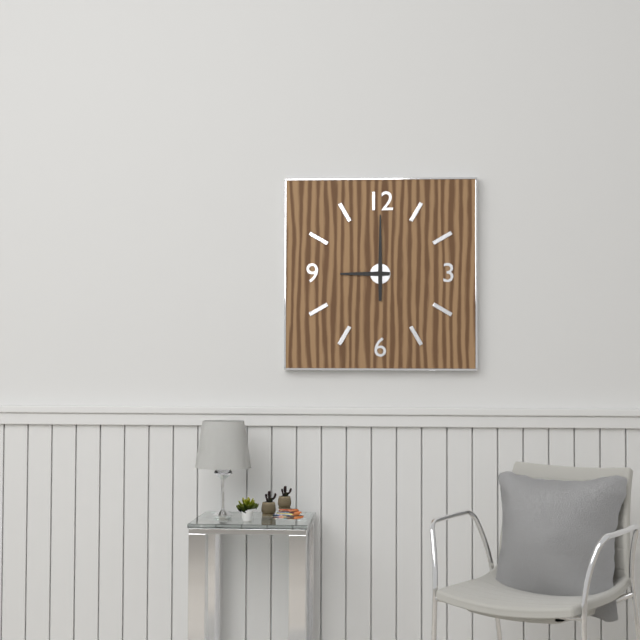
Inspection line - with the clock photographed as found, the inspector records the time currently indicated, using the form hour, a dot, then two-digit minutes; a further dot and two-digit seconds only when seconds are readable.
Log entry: 9.00
